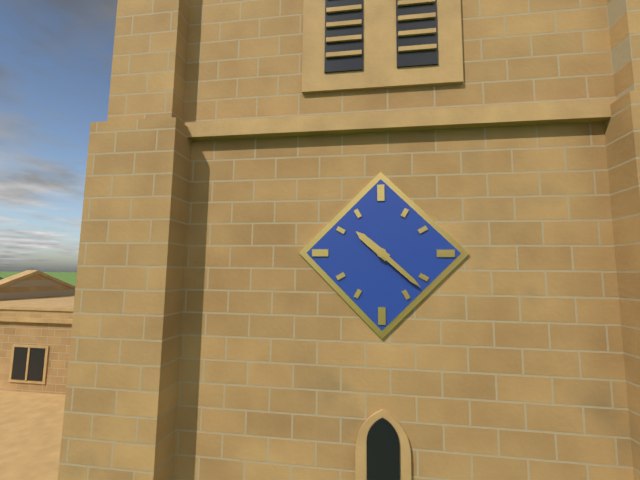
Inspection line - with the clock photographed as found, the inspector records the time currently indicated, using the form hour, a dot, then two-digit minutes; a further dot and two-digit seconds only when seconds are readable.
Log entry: 10.22
